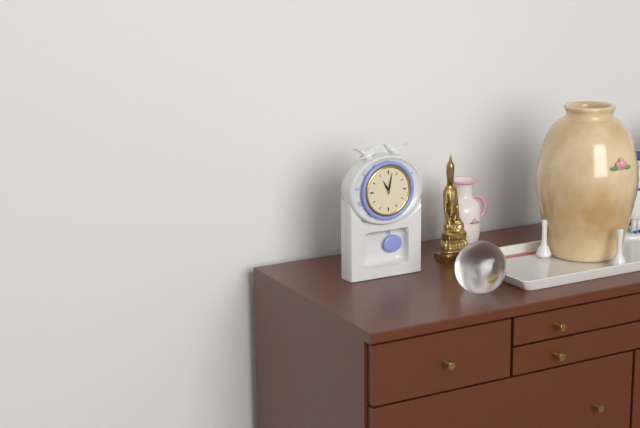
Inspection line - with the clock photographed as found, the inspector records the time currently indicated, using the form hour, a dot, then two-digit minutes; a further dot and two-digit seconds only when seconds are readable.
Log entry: 11.02
